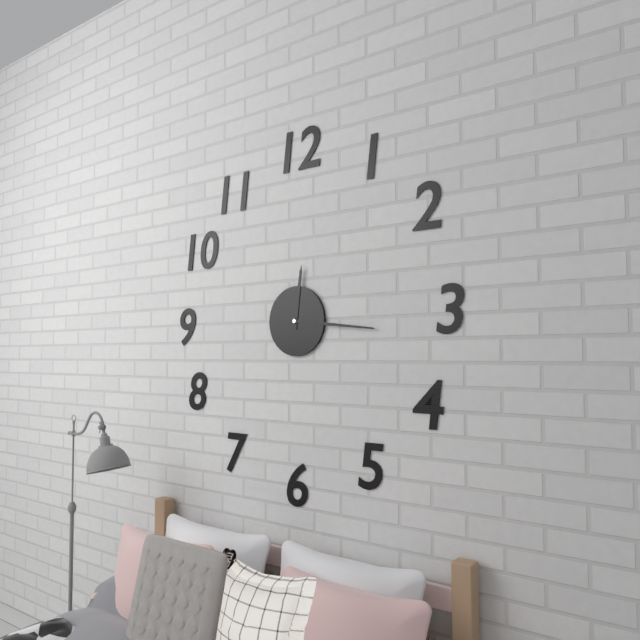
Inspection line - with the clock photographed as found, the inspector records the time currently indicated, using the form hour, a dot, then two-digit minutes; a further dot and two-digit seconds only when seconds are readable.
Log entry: 12.16
